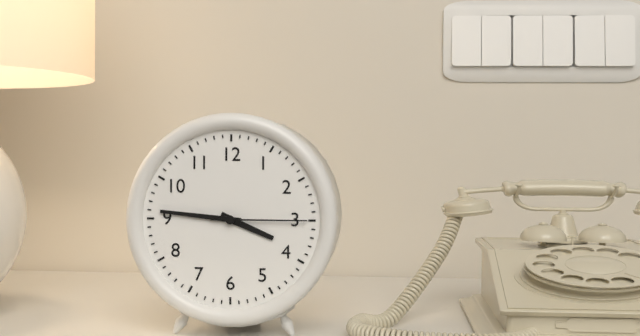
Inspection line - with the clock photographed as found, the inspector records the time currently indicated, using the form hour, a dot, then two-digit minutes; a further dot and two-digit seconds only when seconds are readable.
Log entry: 3.46.15
